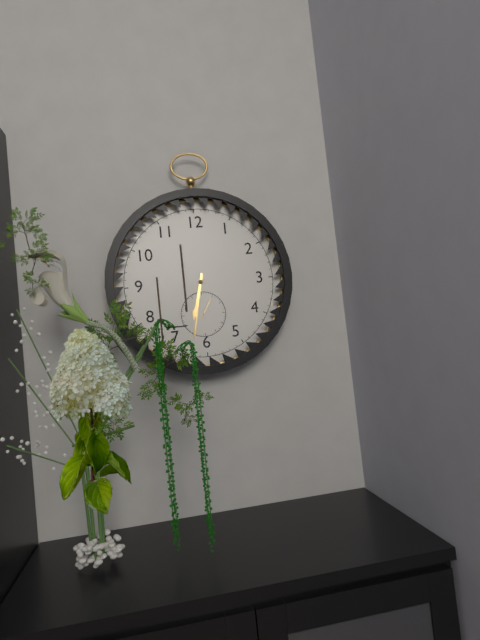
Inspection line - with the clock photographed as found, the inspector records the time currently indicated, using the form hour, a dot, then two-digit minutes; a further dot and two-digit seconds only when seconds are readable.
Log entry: 6.32
